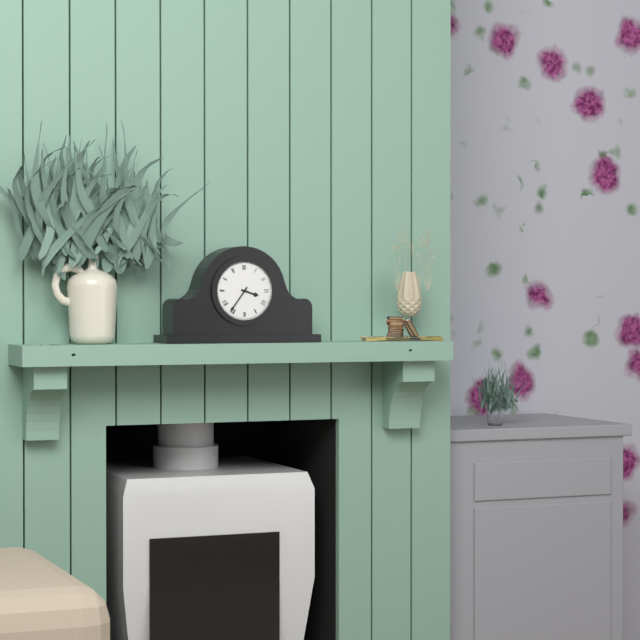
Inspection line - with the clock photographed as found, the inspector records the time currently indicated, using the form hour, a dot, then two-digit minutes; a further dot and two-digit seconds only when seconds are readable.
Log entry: 3.36
